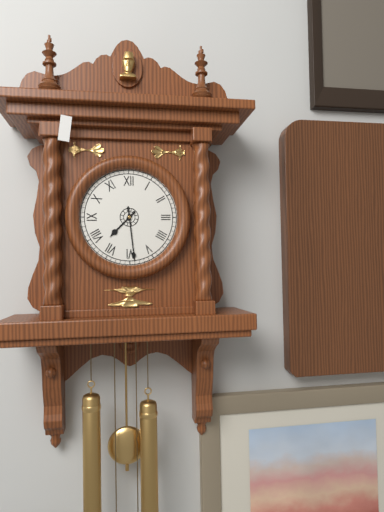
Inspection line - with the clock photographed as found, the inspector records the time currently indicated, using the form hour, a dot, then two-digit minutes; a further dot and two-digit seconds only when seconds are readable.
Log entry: 7.29
